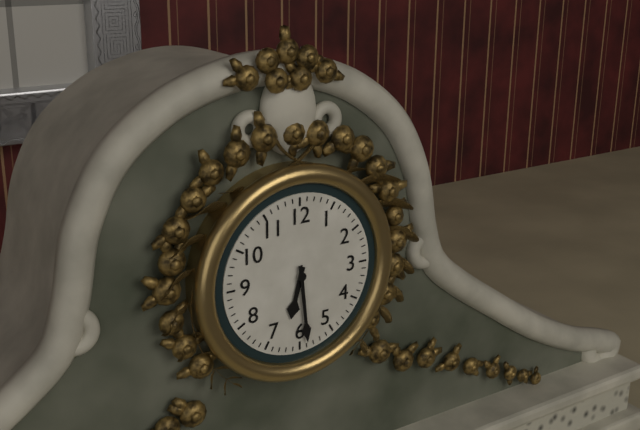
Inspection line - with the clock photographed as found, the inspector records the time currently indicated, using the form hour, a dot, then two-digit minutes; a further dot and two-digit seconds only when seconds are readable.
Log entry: 6.29
